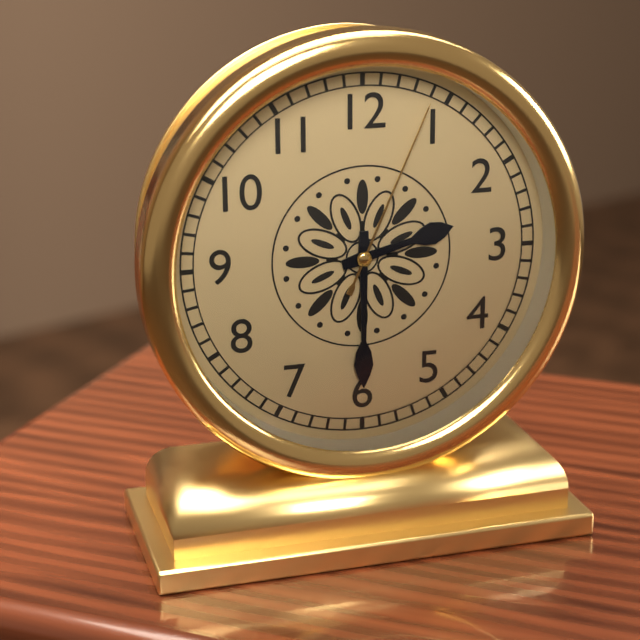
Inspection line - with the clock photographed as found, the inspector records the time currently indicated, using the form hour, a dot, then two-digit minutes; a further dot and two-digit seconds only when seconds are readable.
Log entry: 2.30.04
